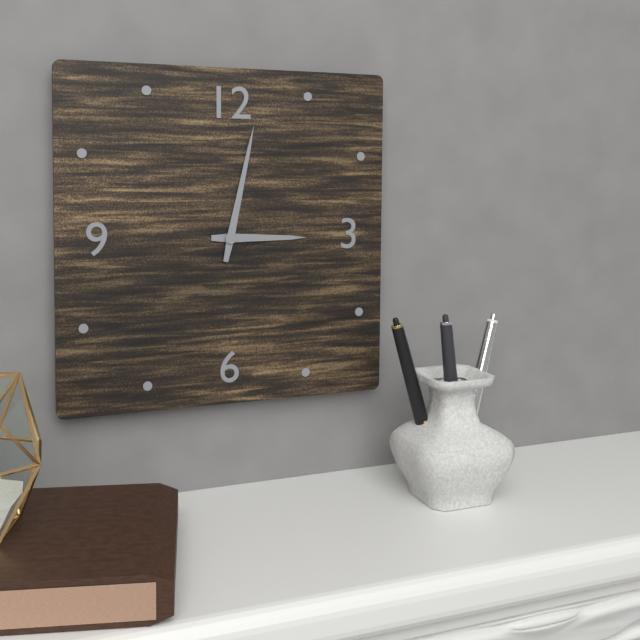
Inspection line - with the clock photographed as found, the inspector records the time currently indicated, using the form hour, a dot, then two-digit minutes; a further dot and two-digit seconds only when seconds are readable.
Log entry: 3.02
